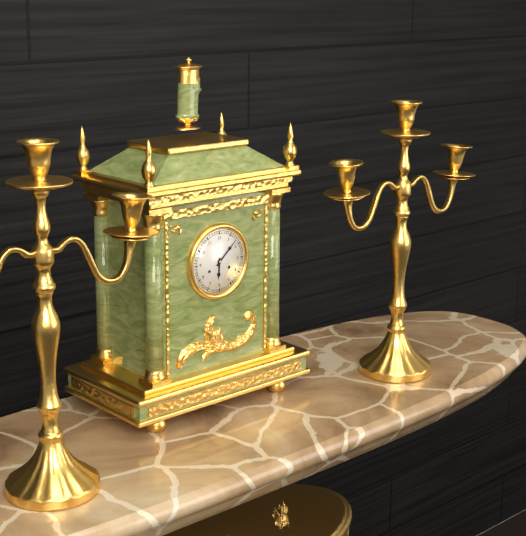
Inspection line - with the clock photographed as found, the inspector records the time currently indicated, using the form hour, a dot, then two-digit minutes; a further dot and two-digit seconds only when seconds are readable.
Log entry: 6.08
